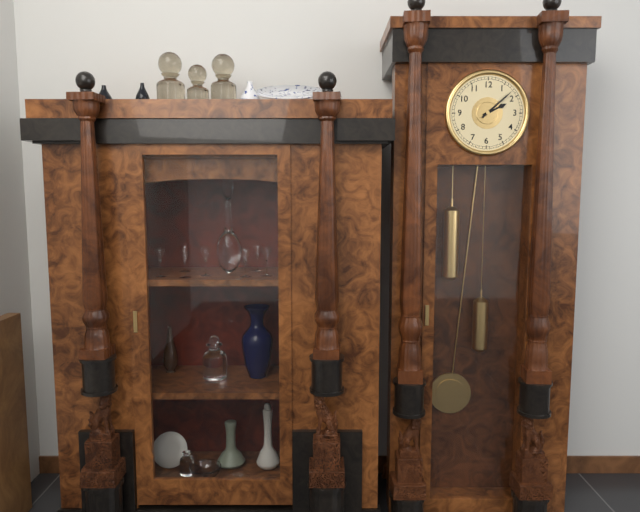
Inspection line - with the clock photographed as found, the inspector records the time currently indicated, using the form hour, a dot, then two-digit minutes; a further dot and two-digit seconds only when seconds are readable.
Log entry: 2.08
